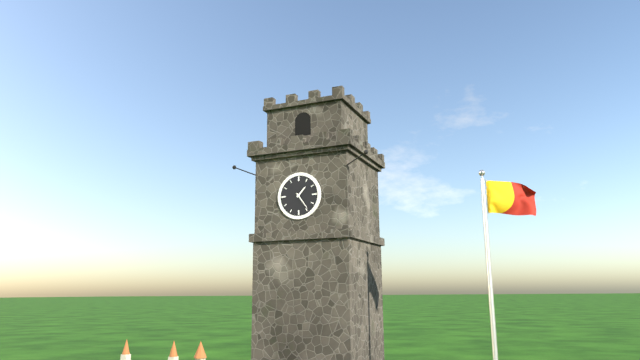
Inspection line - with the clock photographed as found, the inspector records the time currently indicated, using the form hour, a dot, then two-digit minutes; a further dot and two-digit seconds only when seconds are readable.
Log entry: 1.24
